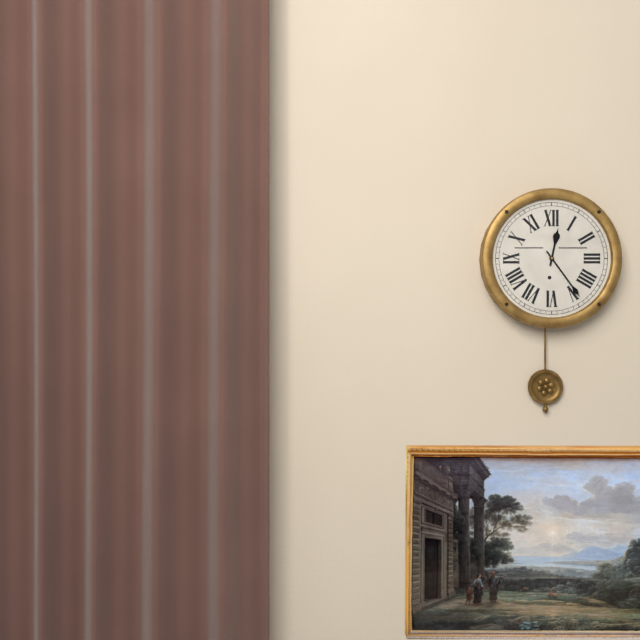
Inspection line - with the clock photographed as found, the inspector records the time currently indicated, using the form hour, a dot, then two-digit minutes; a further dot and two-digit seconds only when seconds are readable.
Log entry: 12.24
